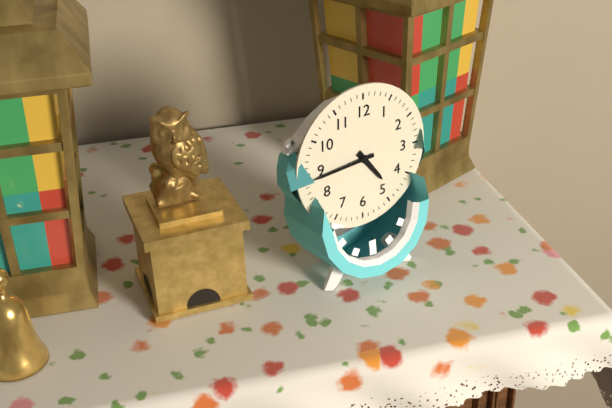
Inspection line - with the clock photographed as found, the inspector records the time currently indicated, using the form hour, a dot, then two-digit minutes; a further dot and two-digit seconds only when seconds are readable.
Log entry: 4.44
